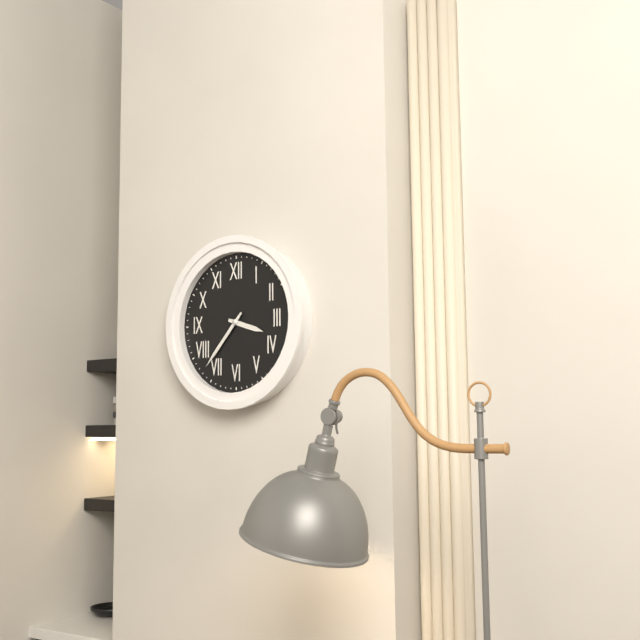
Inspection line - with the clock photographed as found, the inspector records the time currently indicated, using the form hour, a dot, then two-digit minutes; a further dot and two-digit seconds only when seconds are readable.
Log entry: 3.37
